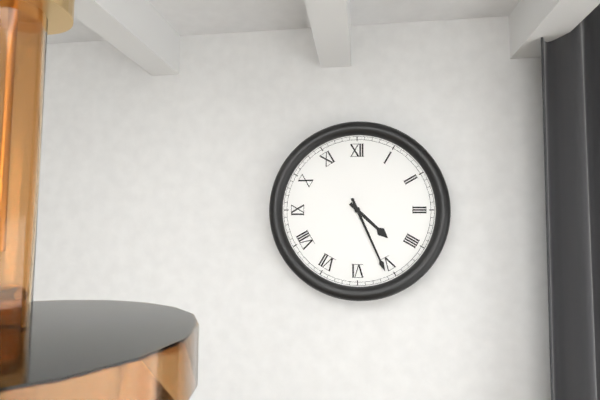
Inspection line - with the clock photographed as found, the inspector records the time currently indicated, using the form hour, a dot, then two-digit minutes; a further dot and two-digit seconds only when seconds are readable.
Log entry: 4.26
